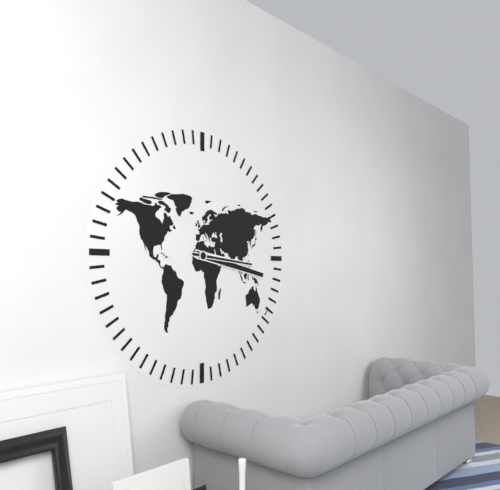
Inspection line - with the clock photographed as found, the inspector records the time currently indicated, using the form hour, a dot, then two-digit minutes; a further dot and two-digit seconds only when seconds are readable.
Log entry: 3.17.16
